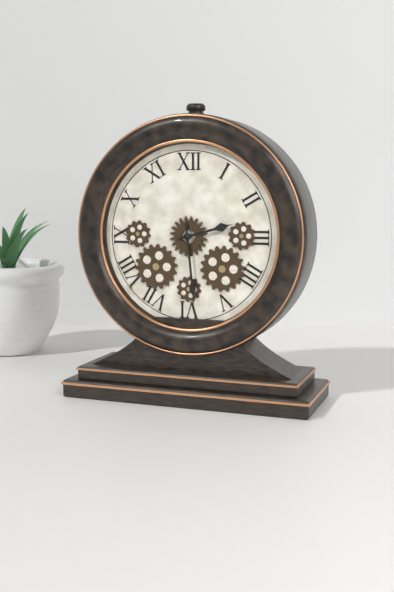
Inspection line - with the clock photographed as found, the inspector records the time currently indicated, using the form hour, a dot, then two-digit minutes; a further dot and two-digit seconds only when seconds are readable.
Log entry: 2.29
